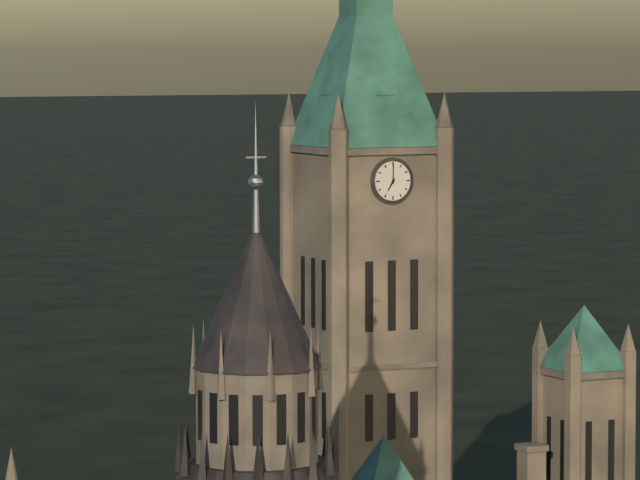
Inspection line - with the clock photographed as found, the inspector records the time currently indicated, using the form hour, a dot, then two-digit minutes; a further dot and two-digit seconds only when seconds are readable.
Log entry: 7.00
